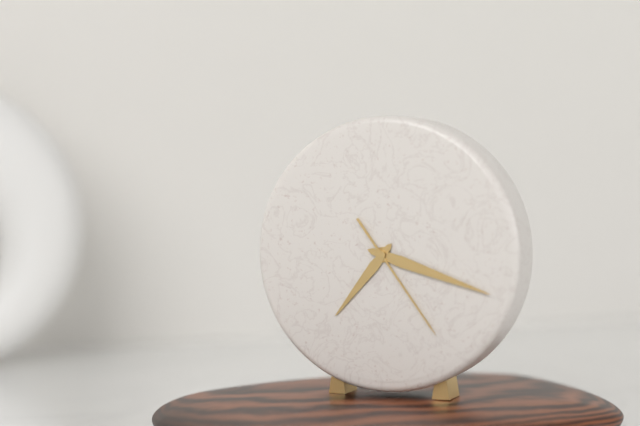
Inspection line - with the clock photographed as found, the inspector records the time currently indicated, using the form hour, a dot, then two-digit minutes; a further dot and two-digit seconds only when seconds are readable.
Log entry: 7.18.24
